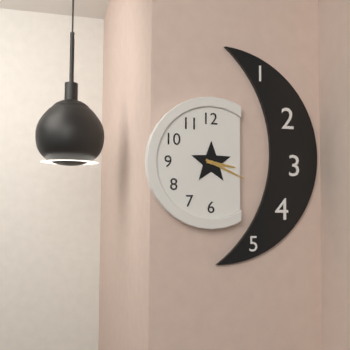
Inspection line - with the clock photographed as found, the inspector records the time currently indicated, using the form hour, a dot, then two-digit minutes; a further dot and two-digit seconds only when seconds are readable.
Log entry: 3.19
